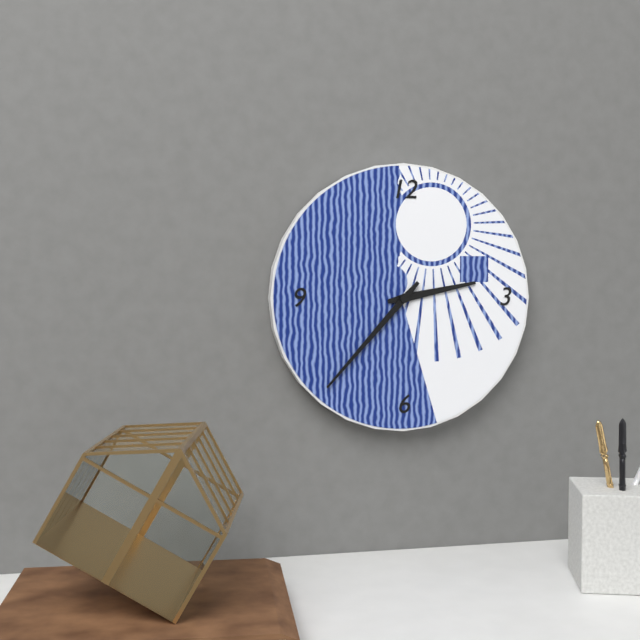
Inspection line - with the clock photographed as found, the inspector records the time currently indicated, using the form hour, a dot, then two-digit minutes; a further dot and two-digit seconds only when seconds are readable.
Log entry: 2.37
